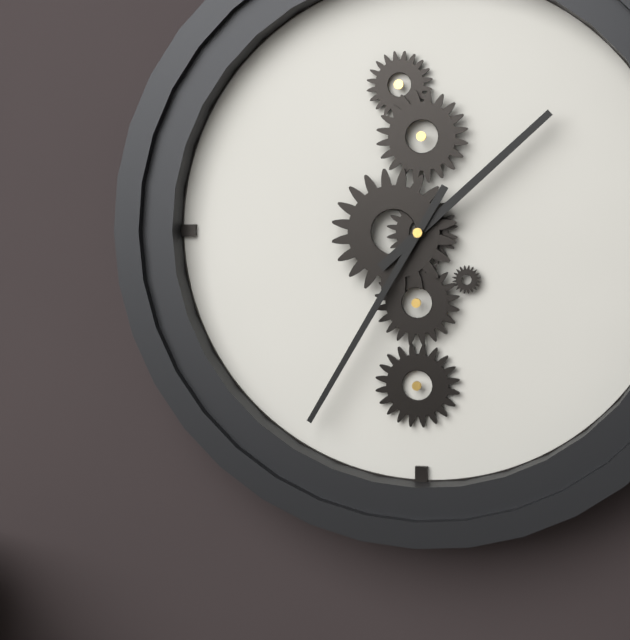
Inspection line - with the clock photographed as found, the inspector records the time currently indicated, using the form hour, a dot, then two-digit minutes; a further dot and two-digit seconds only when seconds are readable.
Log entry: 1.35
